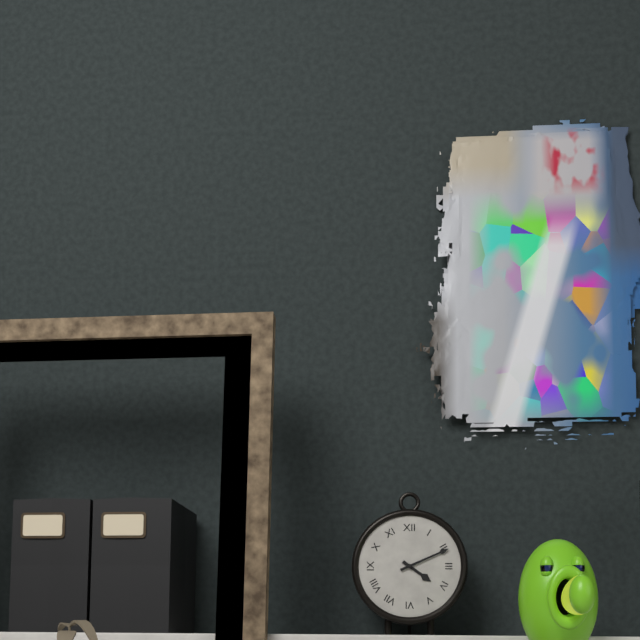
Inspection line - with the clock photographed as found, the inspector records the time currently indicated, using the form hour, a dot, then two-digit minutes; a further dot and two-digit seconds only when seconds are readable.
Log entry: 4.11
